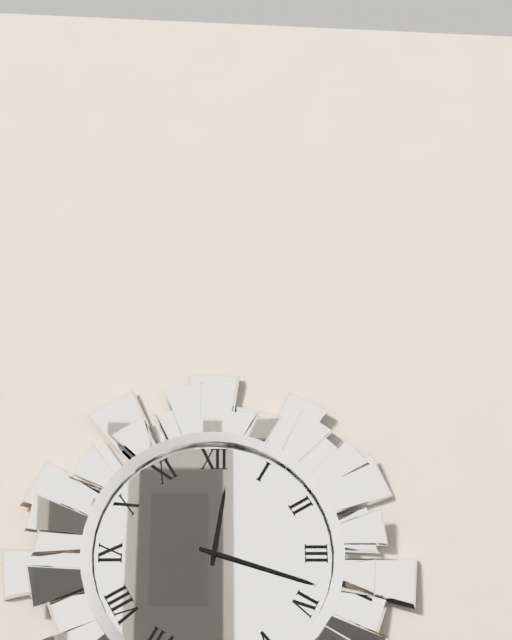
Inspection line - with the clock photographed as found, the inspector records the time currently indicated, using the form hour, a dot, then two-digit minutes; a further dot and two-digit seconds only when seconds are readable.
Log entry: 12.18
